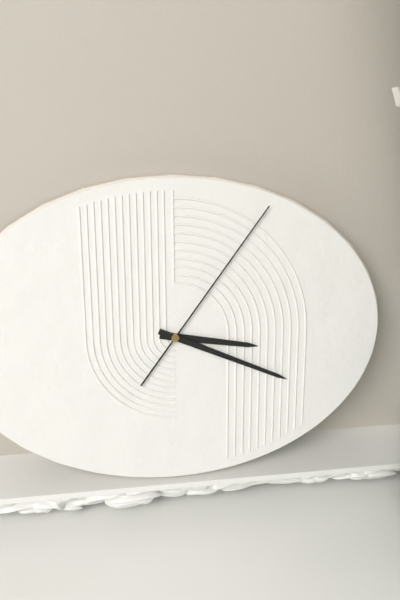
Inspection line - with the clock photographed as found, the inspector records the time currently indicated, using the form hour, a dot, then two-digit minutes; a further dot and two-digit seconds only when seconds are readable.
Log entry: 3.19.06
